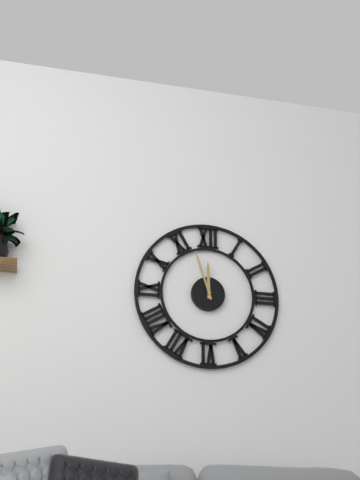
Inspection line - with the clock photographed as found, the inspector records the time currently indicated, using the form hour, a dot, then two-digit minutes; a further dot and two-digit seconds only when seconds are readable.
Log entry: 11.57
